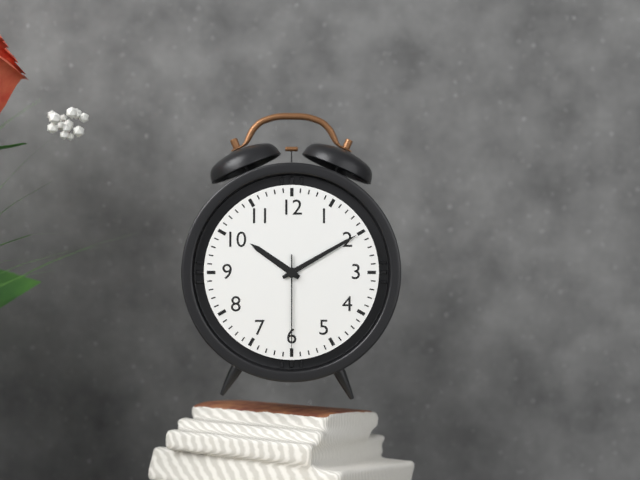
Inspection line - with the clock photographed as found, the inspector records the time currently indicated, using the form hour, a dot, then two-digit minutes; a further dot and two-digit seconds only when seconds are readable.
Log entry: 10.10.30
